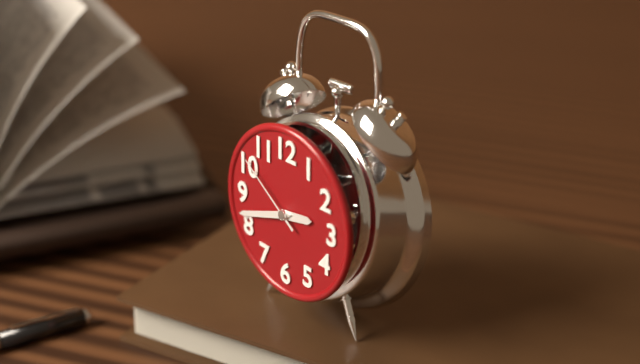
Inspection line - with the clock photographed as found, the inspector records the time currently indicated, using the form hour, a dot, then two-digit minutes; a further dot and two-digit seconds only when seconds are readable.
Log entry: 2.42.51
